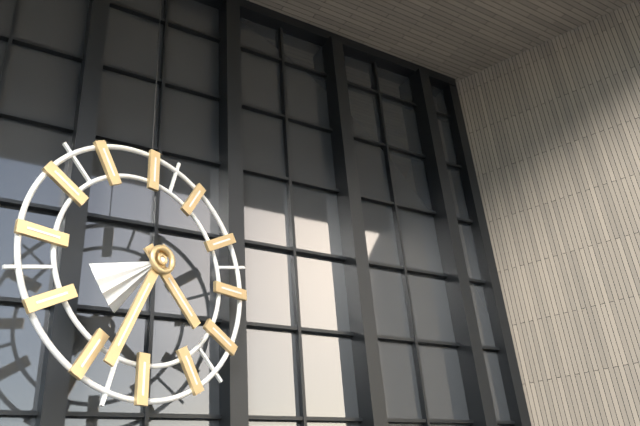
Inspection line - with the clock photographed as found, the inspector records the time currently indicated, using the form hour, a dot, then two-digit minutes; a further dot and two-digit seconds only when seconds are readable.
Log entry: 4.34
